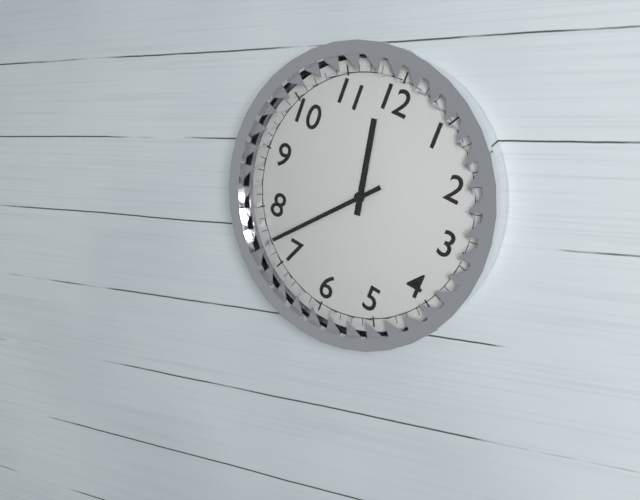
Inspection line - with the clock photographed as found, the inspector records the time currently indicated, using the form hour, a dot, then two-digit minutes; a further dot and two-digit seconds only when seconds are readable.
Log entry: 11.37
